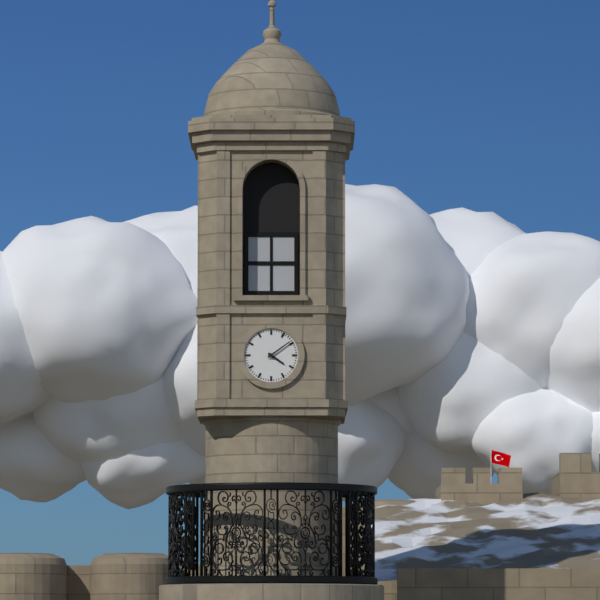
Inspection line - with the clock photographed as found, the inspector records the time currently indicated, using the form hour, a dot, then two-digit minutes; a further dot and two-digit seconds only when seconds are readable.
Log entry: 4.09
